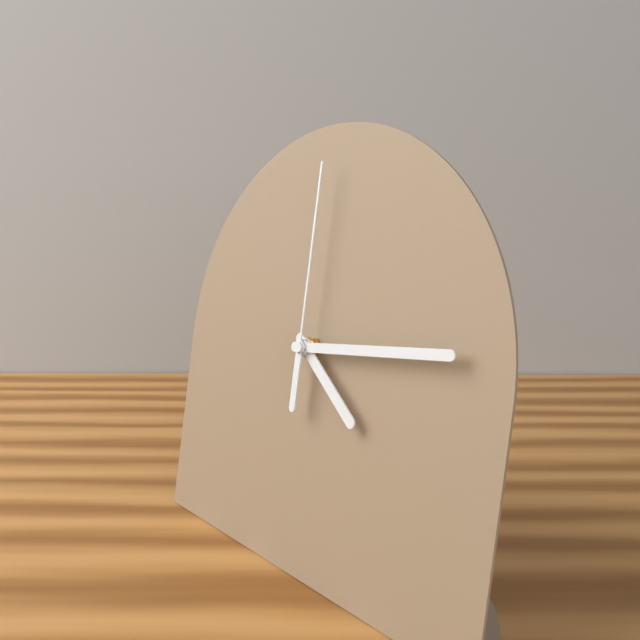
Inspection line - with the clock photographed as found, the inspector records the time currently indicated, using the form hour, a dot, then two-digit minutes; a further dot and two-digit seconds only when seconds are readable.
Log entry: 4.14.00
